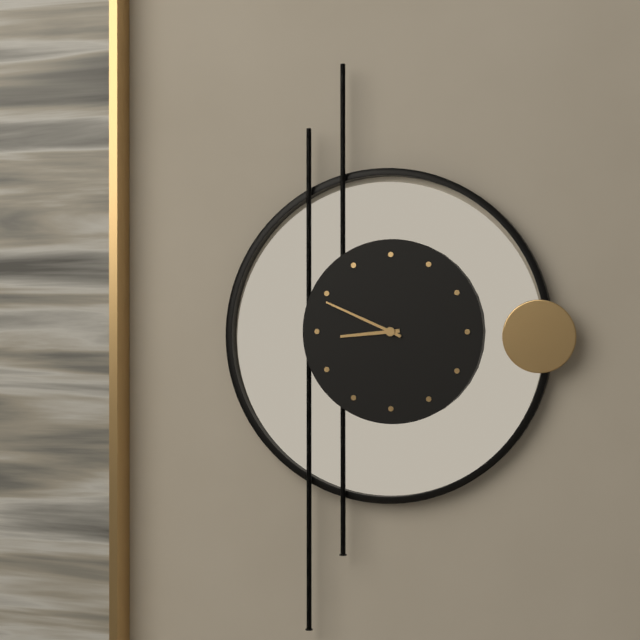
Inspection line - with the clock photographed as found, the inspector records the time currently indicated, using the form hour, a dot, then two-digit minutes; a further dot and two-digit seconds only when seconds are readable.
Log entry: 8.49
